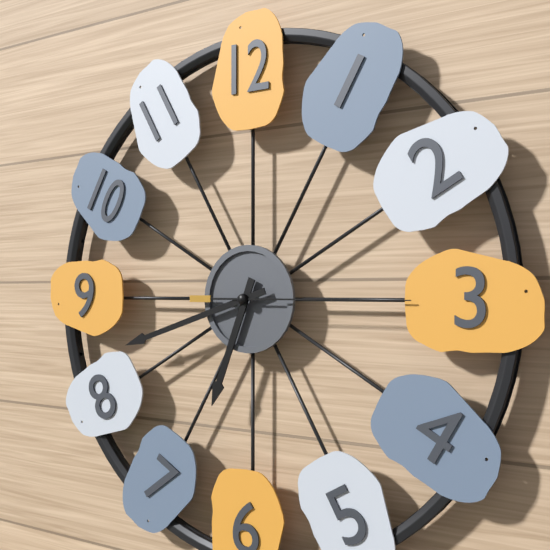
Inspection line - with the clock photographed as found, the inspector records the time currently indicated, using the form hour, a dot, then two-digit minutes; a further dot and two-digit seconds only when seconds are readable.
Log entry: 6.42.15
